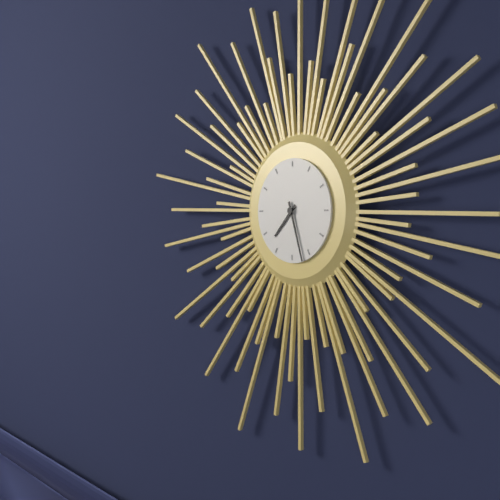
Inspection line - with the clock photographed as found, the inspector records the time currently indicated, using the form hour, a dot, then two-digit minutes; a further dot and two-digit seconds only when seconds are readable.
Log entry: 7.27
